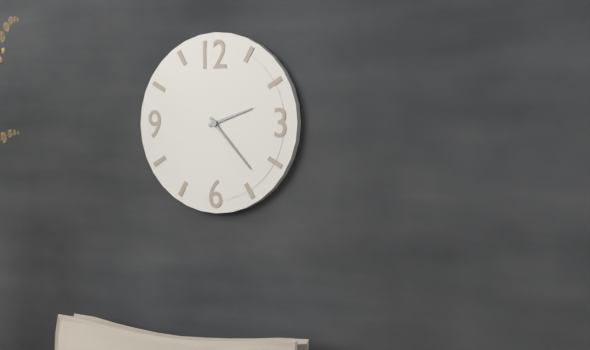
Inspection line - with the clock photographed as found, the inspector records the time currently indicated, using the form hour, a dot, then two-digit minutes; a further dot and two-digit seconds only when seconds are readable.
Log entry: 2.23
